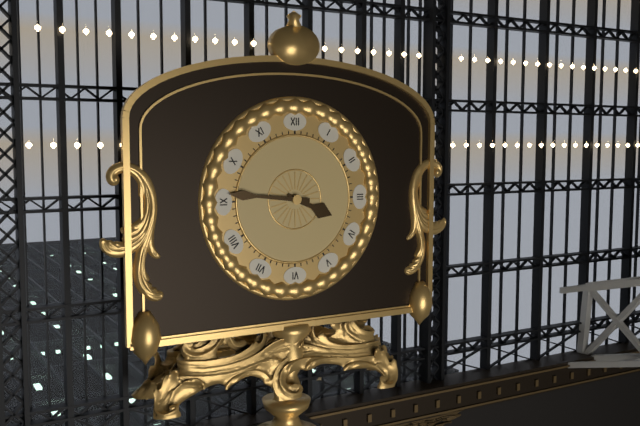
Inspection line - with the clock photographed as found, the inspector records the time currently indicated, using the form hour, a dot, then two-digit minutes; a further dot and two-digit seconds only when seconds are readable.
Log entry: 3.46
